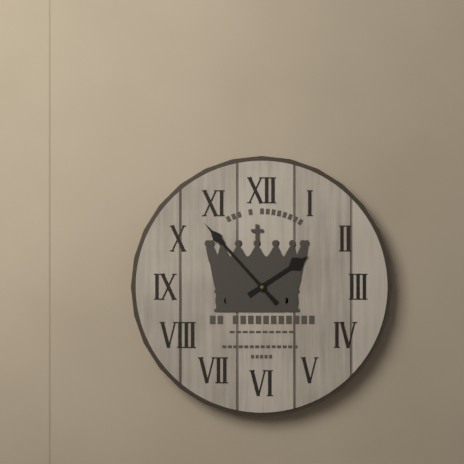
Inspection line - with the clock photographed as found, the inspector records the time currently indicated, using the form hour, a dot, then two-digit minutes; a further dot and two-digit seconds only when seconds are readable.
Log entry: 1.53
